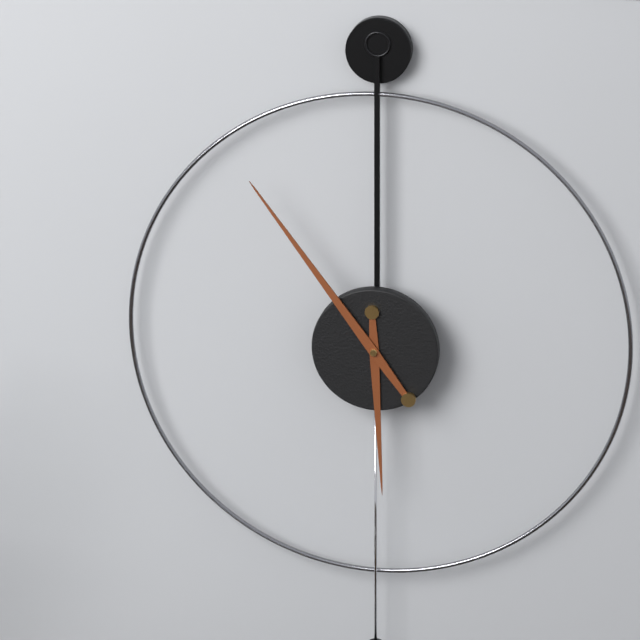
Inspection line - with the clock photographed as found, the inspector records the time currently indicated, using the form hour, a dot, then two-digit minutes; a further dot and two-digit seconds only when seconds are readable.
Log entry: 5.54
